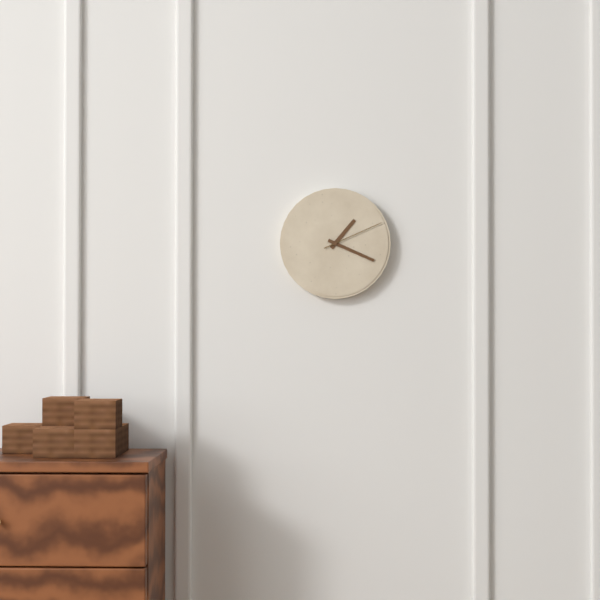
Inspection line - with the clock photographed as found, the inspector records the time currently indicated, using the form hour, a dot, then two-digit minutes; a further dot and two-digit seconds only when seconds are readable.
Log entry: 1.19.11
